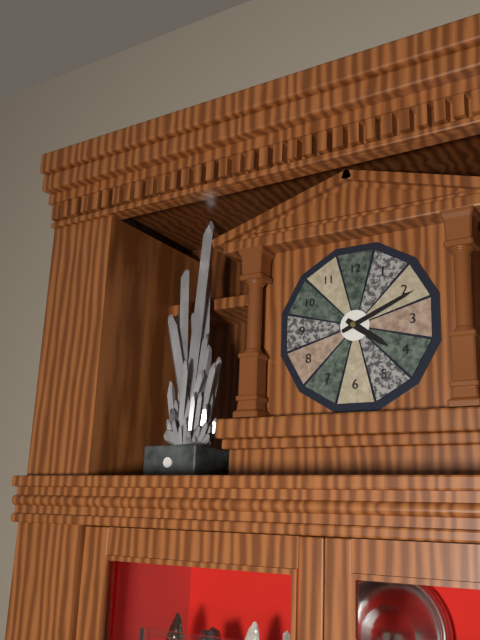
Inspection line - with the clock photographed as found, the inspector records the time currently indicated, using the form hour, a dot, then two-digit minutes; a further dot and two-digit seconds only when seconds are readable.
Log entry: 4.11
